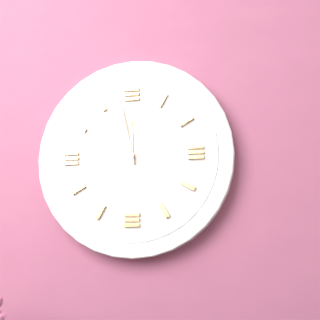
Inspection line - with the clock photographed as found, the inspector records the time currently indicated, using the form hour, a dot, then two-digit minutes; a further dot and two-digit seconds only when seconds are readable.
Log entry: 11.58
